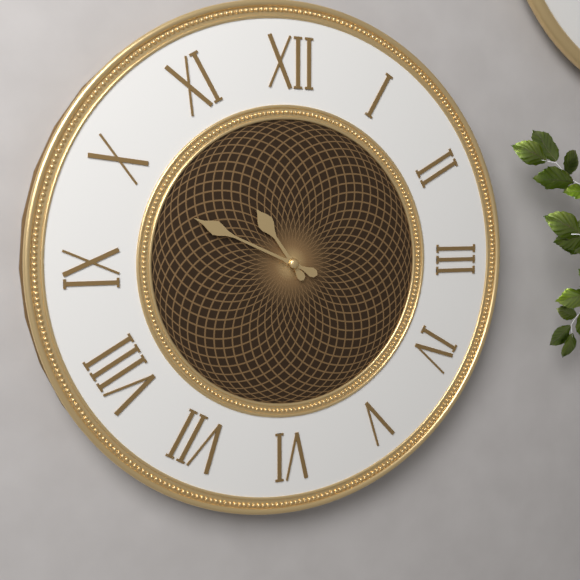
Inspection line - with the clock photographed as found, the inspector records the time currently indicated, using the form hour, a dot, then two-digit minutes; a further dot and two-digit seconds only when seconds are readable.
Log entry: 10.49
